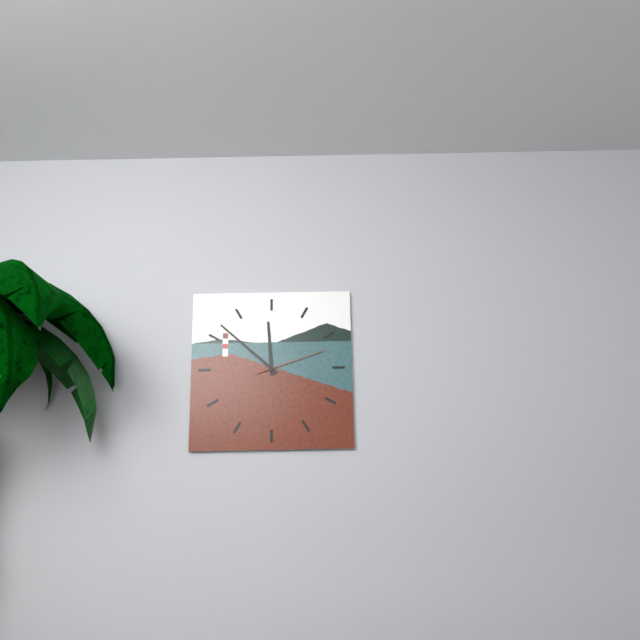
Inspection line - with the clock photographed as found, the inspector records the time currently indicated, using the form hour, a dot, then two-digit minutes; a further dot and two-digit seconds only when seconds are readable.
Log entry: 11.52.12
